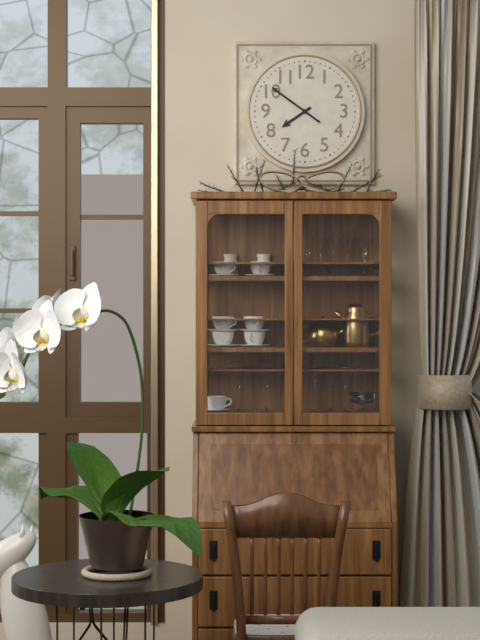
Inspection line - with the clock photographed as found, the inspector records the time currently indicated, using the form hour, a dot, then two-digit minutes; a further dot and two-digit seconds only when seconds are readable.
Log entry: 7.51
